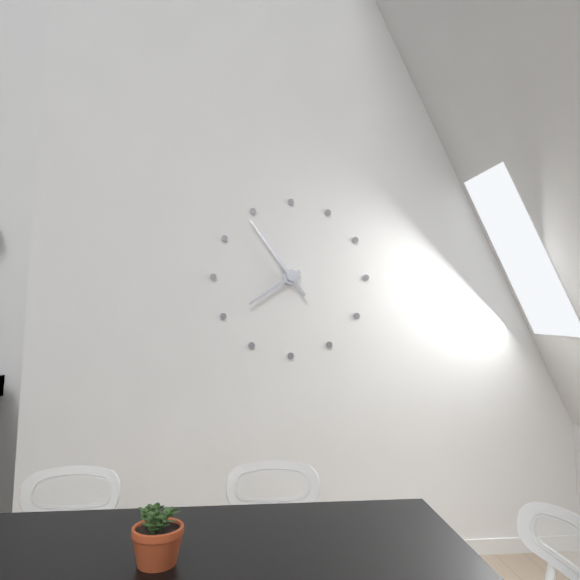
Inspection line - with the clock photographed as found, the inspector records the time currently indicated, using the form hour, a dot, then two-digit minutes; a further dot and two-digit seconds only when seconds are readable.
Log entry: 7.54
